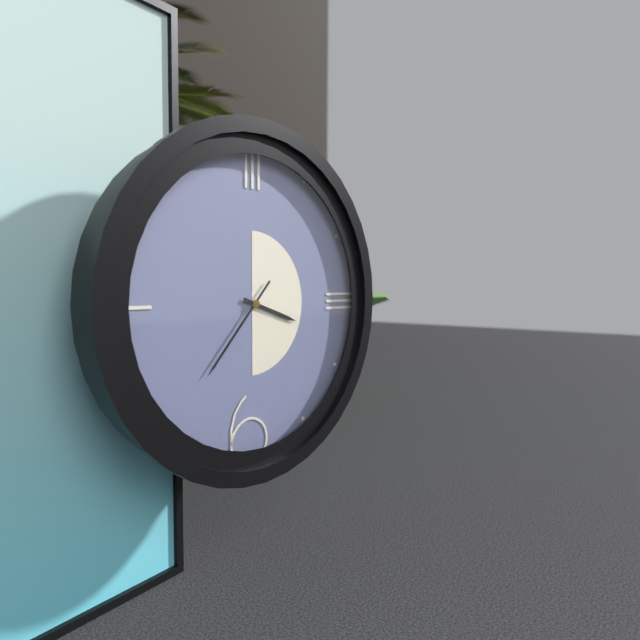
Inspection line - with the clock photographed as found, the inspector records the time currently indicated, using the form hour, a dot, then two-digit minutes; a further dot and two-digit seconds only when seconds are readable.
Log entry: 3.37
